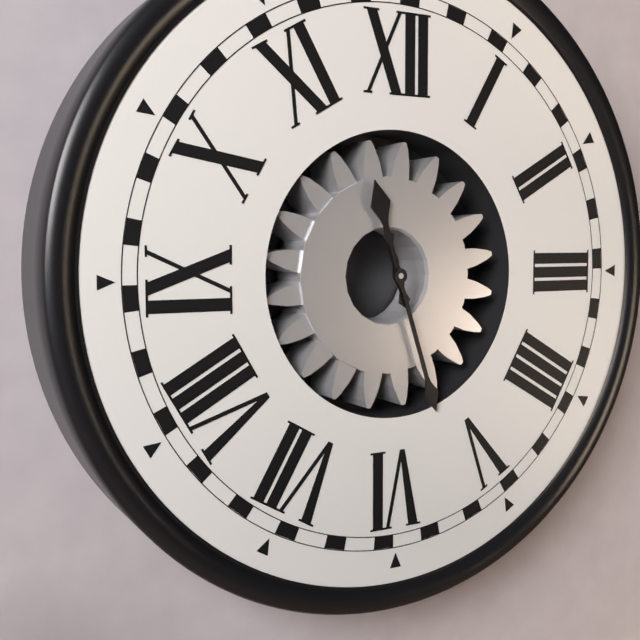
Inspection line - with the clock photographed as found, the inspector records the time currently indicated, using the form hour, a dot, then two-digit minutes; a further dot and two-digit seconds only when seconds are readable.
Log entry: 11.27
